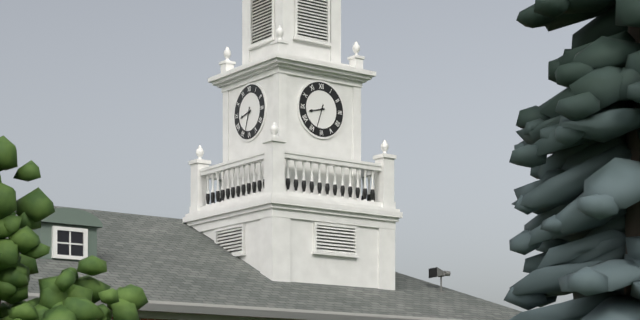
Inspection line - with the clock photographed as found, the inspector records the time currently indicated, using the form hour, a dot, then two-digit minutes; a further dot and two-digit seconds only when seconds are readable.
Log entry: 8.33
